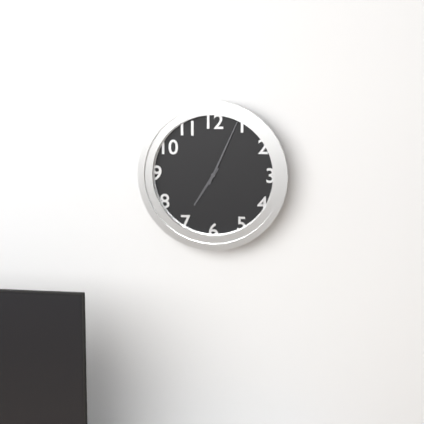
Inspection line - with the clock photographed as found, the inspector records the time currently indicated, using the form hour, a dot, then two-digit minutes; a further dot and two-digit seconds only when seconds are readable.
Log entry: 7.04
